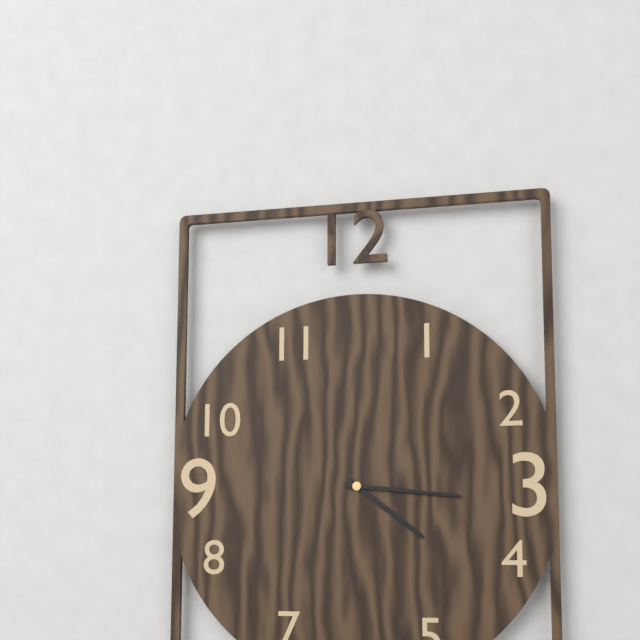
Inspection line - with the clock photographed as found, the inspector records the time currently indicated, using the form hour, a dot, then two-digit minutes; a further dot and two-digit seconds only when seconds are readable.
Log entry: 4.16
